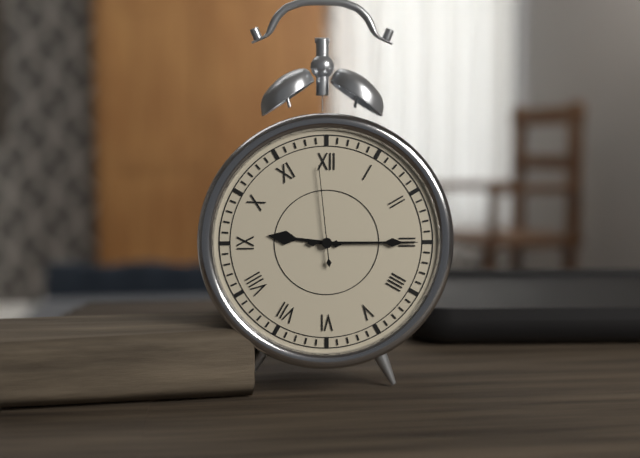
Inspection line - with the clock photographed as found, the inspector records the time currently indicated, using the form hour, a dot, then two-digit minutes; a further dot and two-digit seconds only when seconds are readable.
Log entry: 9.15.59
